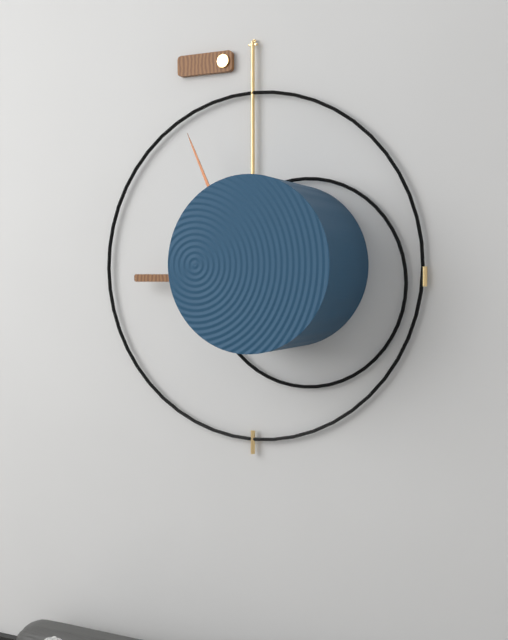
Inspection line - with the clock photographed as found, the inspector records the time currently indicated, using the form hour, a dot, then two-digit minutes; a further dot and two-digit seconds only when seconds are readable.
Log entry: 4.56
